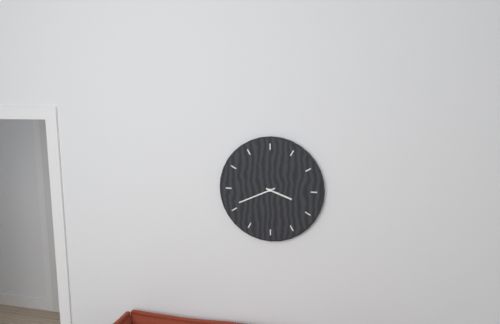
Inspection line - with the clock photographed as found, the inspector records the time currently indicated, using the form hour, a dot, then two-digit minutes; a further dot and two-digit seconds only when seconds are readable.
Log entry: 3.41
